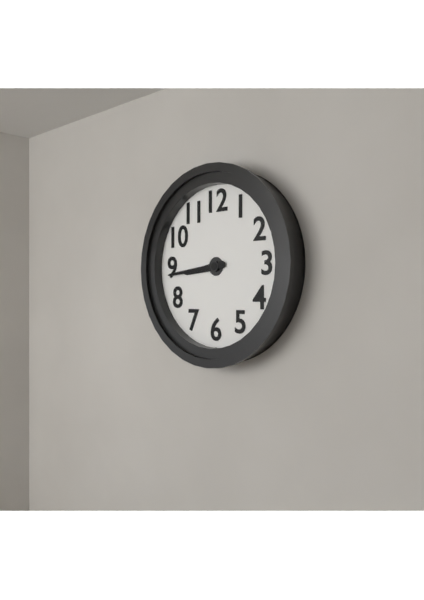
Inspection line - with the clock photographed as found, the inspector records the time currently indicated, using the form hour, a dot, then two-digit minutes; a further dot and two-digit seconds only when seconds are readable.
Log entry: 8.44
